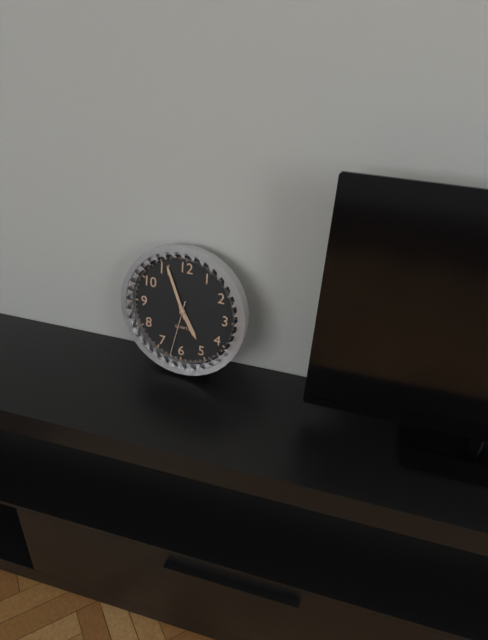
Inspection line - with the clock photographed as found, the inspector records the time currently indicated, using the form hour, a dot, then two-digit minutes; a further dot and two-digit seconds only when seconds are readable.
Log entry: 4.56.32
